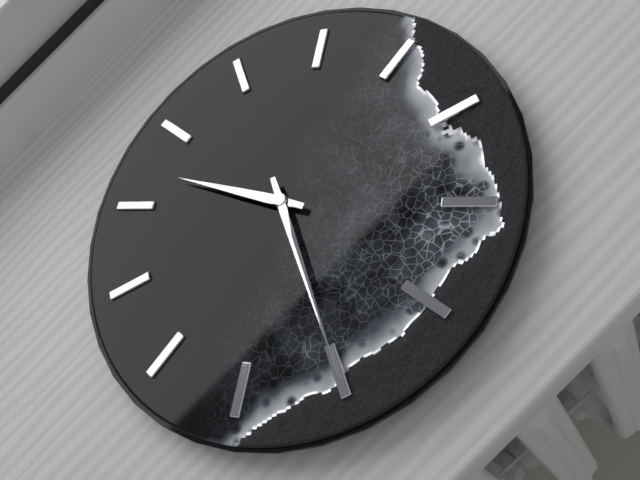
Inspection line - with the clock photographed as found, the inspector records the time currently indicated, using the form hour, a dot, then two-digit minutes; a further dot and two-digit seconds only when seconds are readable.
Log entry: 9.25
